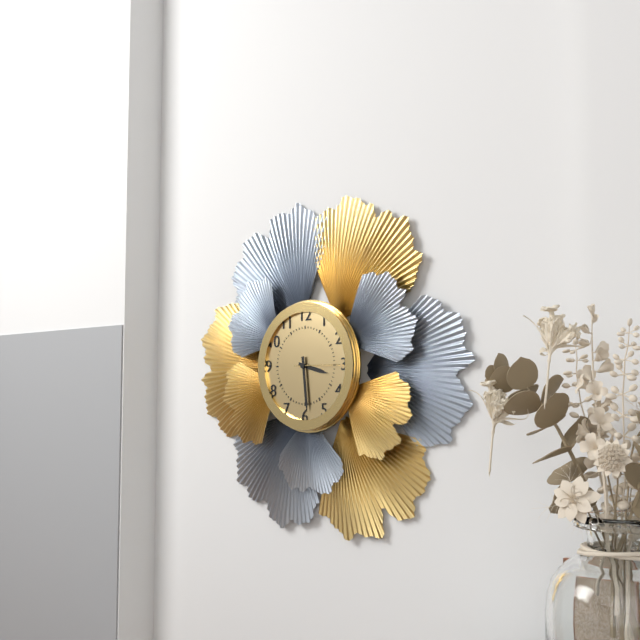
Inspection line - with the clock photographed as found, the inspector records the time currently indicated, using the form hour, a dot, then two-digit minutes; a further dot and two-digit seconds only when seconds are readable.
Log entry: 3.29
